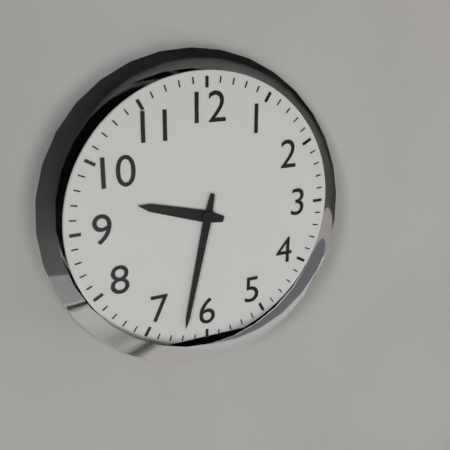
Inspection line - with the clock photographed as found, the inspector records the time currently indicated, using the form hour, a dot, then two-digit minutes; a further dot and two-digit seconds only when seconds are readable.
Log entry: 9.32
